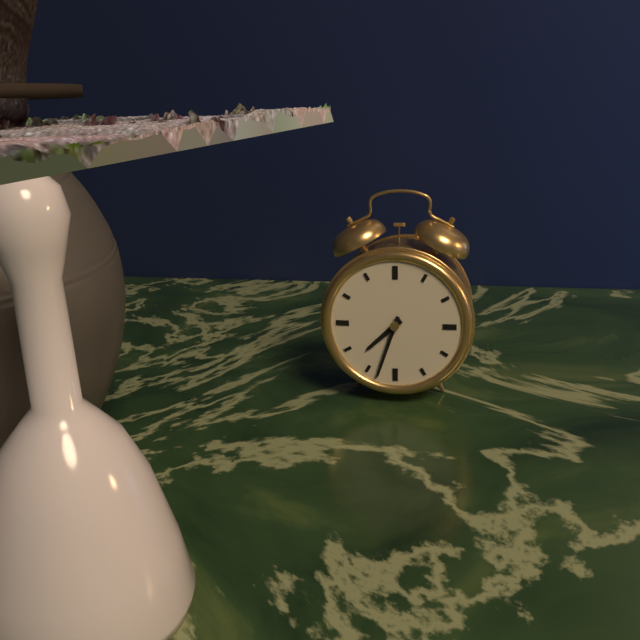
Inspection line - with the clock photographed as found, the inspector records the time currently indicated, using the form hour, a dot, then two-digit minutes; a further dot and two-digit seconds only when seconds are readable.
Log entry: 7.33
